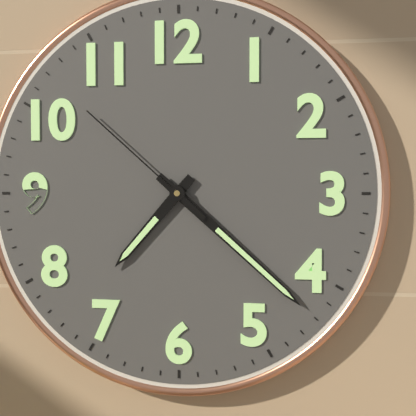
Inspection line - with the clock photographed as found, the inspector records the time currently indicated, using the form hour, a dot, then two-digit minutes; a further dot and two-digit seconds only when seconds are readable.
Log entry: 7.22.52
